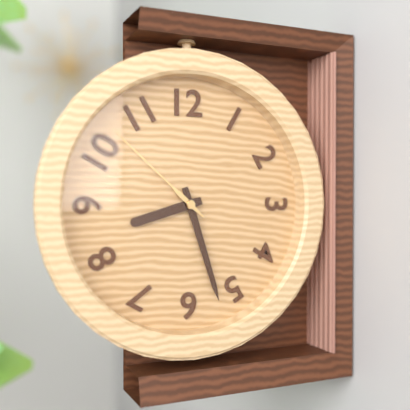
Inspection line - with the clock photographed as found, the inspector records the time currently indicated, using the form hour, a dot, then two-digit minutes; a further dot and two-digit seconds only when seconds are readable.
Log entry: 8.27.52
